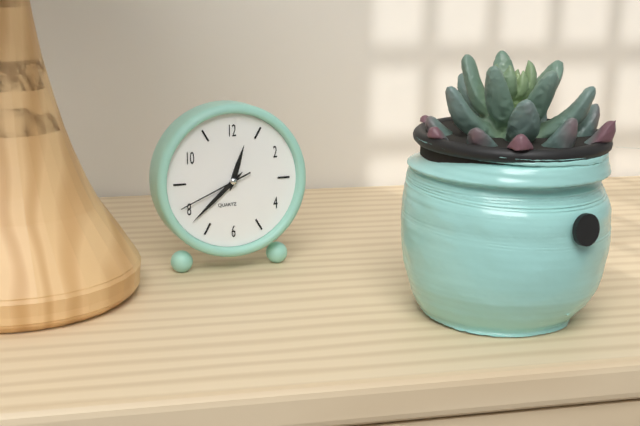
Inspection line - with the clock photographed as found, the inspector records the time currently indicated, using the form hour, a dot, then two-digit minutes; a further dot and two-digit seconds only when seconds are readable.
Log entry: 12.38.41
